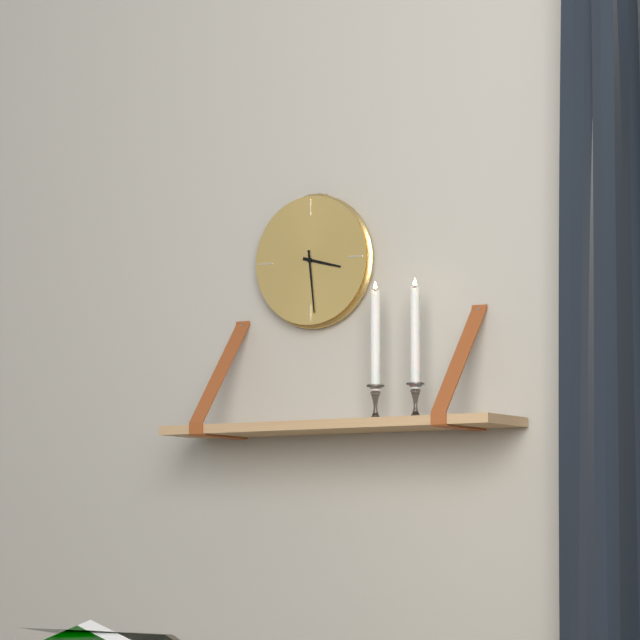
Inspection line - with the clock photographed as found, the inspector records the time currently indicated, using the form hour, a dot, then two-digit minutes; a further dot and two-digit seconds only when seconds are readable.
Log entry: 3.29
